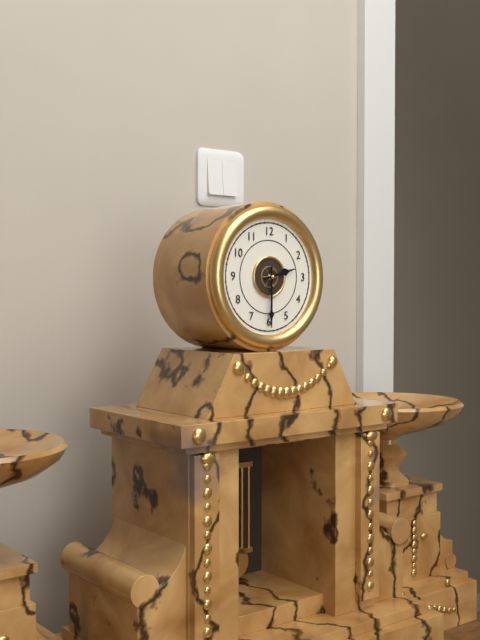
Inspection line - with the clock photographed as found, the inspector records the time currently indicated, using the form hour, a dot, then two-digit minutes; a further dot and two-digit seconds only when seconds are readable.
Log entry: 2.30
